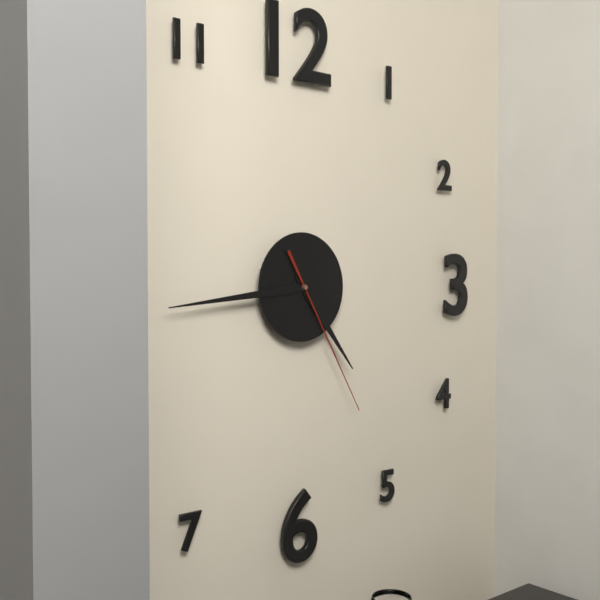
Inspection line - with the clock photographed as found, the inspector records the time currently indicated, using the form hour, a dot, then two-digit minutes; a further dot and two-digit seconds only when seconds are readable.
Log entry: 4.44.25
